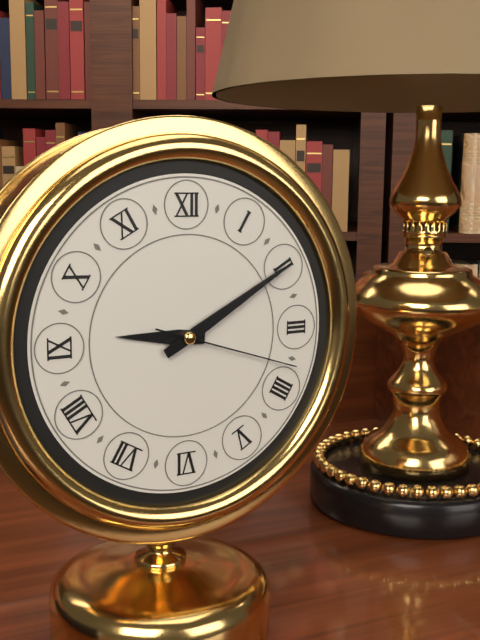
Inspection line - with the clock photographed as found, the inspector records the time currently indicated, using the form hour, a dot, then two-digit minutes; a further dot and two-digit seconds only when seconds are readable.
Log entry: 9.10.18
